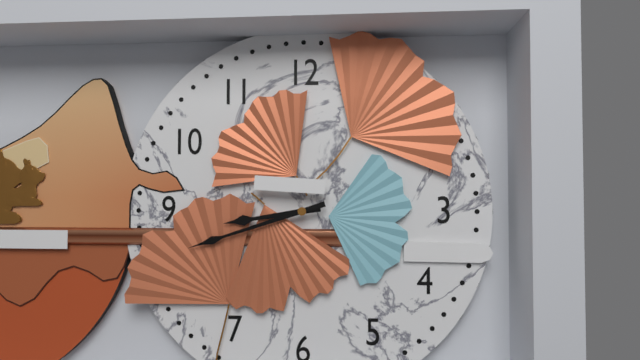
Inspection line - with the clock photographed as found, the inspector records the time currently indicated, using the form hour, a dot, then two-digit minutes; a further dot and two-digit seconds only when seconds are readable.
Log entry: 8.42
